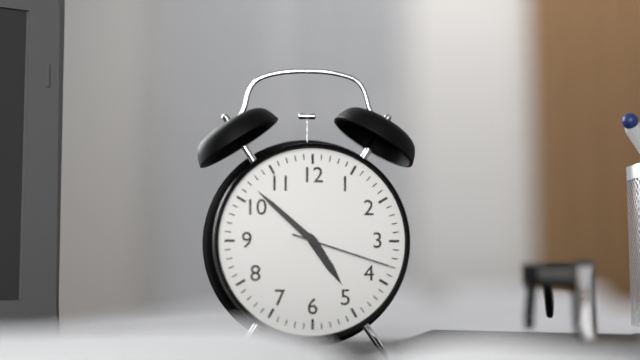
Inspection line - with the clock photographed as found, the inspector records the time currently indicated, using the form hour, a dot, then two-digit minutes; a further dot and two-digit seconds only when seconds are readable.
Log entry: 4.52.18
